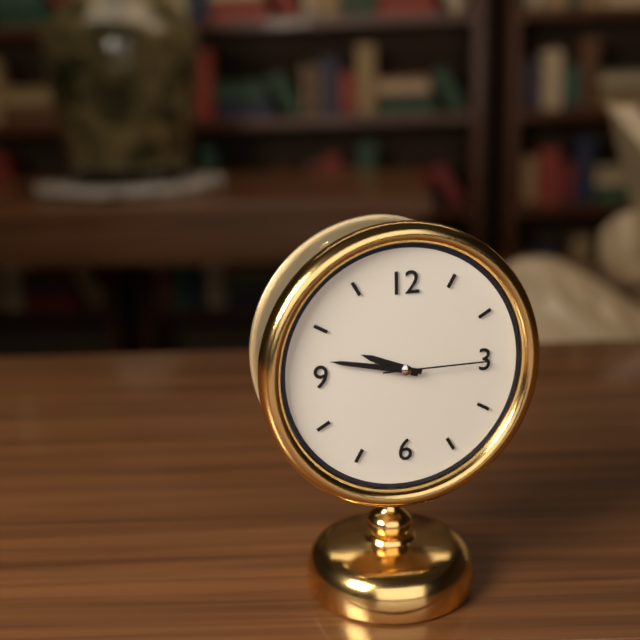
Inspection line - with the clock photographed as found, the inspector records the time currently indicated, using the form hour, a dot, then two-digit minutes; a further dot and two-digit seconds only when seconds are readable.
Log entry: 9.47.15
